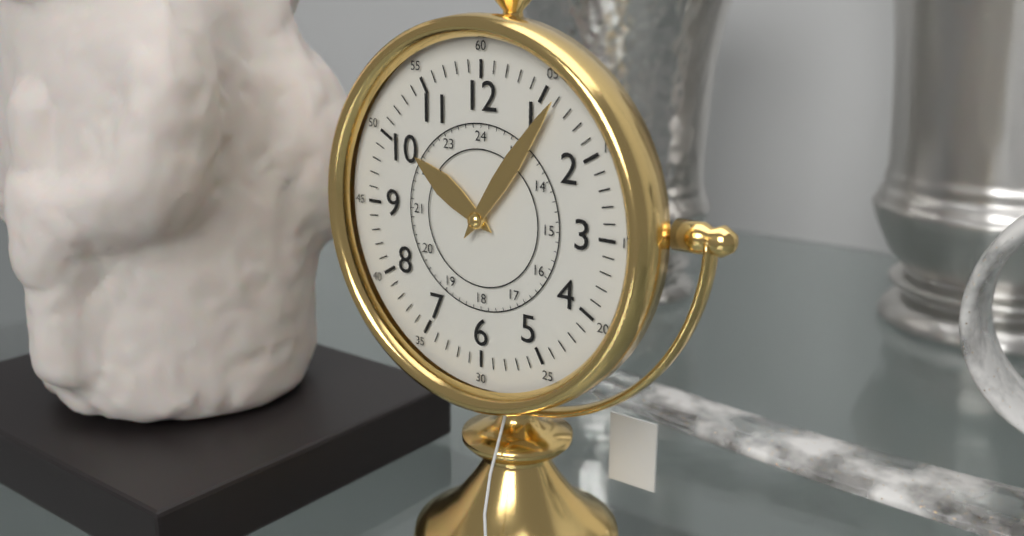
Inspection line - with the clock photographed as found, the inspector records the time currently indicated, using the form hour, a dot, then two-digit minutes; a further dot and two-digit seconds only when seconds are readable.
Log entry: 10.06
